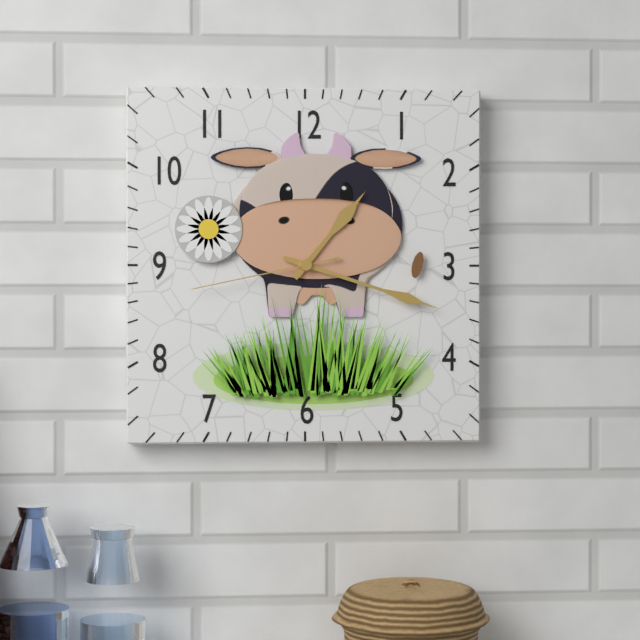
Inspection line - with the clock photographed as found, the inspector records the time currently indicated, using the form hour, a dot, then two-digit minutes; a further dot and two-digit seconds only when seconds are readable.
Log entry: 1.18.43
